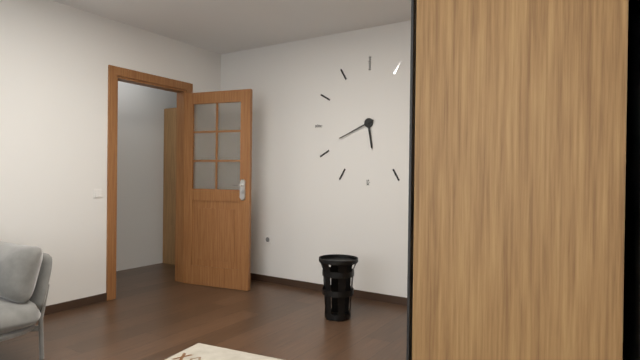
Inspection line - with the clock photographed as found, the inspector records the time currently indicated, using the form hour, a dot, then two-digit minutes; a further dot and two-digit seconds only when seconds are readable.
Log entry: 5.41
